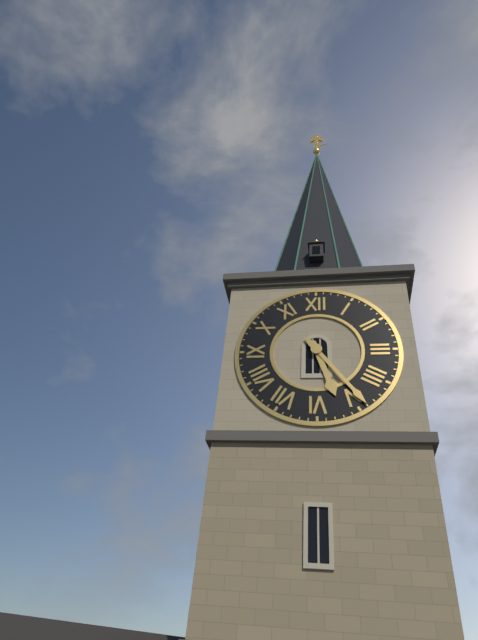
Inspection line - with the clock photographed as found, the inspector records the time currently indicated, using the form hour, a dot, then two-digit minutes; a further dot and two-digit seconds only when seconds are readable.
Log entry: 5.24
